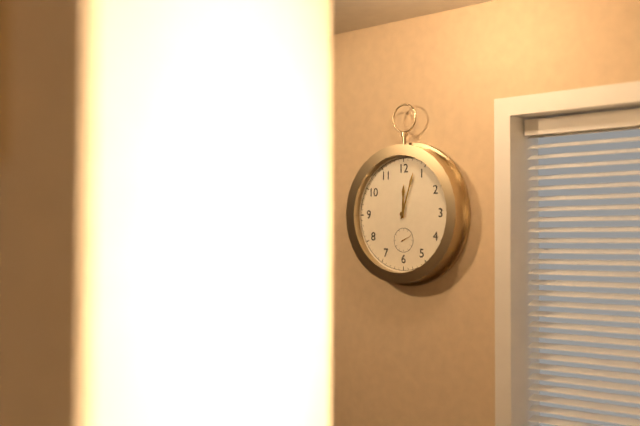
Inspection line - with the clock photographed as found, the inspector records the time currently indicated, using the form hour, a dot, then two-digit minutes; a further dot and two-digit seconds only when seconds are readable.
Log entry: 12.03
